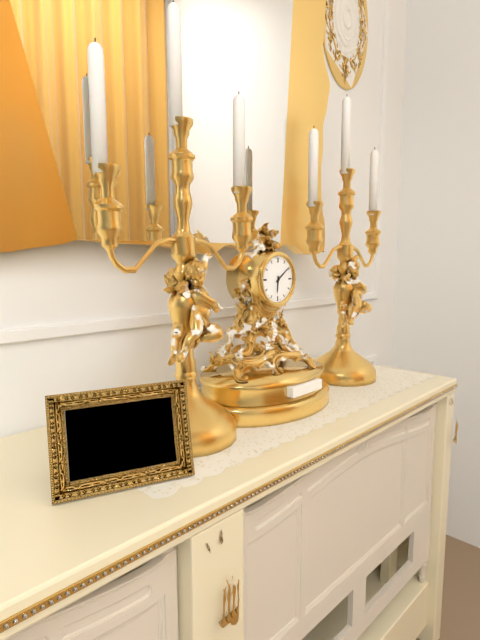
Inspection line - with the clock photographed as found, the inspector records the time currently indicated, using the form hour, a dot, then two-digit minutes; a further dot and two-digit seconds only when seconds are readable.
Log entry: 6.09
